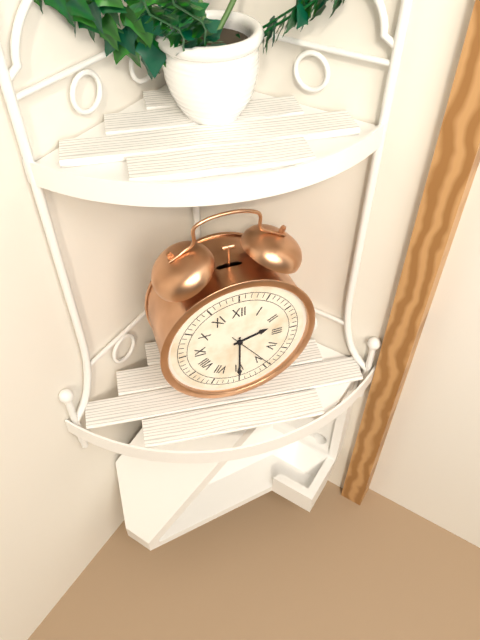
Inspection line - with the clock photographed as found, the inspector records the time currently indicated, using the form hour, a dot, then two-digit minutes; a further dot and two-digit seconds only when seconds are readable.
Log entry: 2.30
